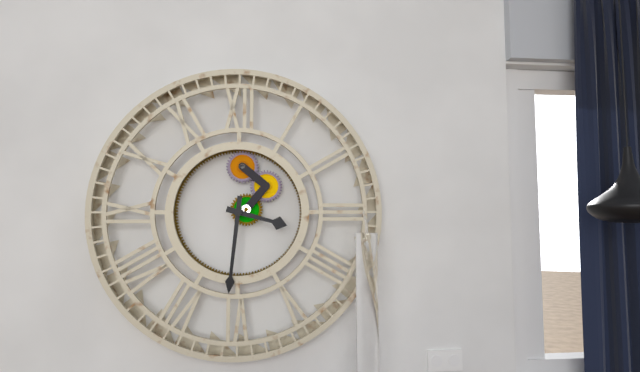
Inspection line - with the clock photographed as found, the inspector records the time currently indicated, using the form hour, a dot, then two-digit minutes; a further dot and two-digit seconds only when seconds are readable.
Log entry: 3.31
